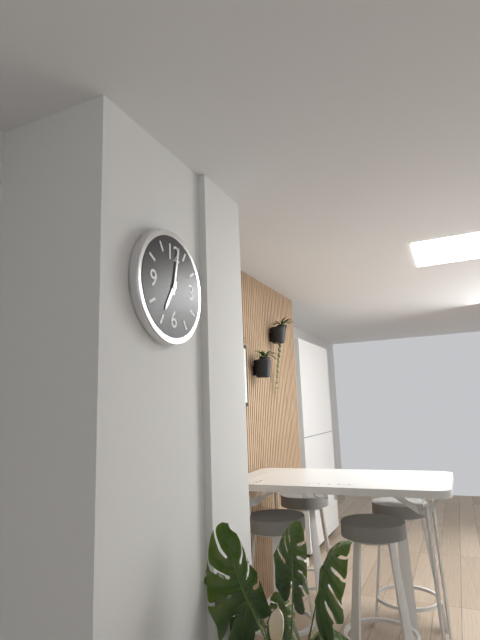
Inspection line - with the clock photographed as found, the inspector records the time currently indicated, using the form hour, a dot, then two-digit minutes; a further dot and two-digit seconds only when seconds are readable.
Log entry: 7.02
